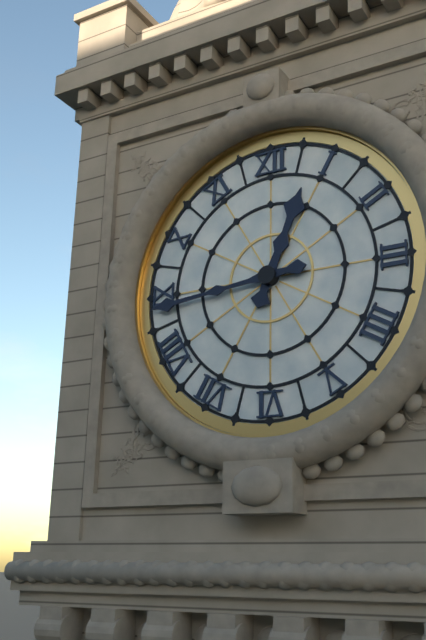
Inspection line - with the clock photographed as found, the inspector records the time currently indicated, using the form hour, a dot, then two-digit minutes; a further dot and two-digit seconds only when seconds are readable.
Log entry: 12.44
